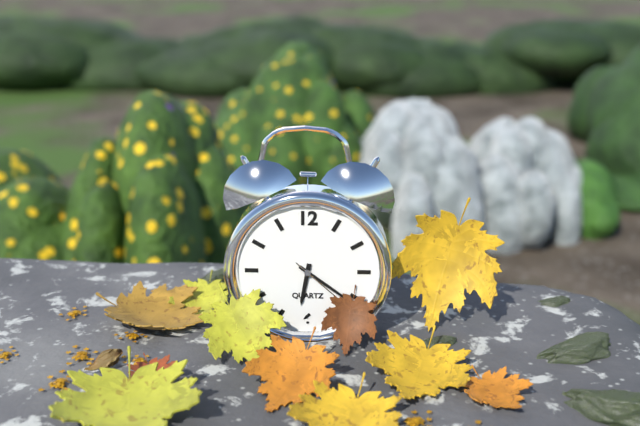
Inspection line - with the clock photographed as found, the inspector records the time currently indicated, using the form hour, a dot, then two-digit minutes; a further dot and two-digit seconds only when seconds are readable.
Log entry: 6.21.22
